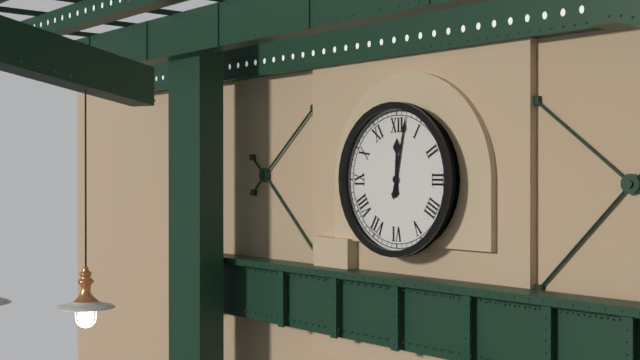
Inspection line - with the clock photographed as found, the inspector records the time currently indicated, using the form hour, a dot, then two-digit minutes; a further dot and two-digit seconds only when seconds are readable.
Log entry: 12.02
